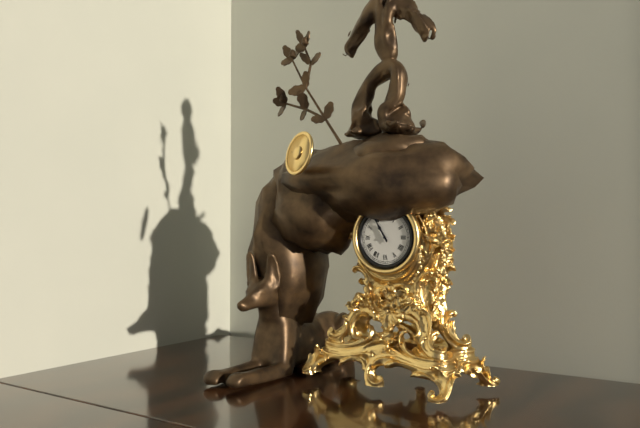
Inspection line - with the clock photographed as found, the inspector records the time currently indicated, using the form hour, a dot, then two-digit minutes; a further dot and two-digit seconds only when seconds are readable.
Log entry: 10.55
